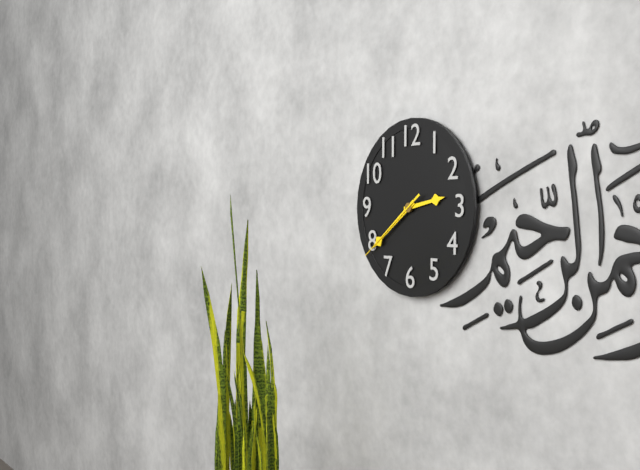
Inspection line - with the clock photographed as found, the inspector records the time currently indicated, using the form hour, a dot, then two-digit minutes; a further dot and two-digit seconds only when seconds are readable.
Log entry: 2.39.39
